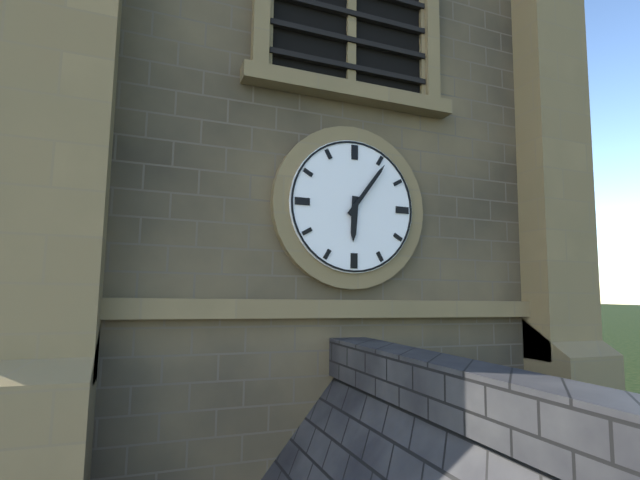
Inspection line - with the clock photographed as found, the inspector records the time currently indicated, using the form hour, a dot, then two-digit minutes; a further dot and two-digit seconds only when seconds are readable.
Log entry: 6.06
